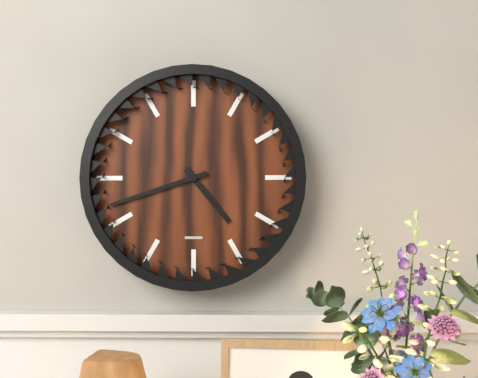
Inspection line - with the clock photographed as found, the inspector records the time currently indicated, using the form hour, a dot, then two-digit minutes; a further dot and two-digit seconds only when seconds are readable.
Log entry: 4.42
